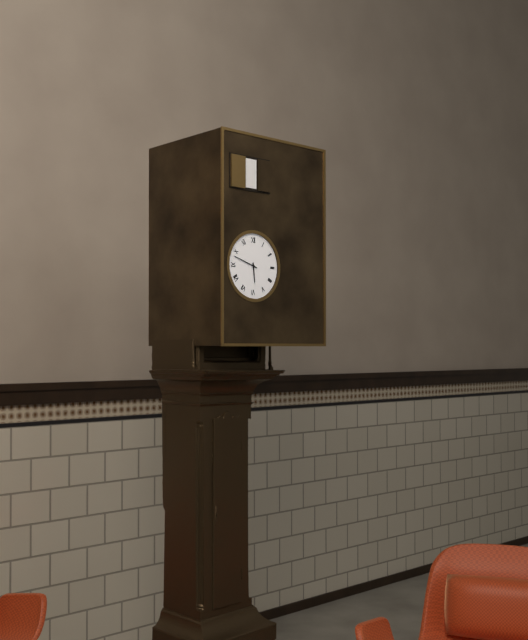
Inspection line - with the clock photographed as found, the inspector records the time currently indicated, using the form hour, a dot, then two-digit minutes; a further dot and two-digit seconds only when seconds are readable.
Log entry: 5.48
